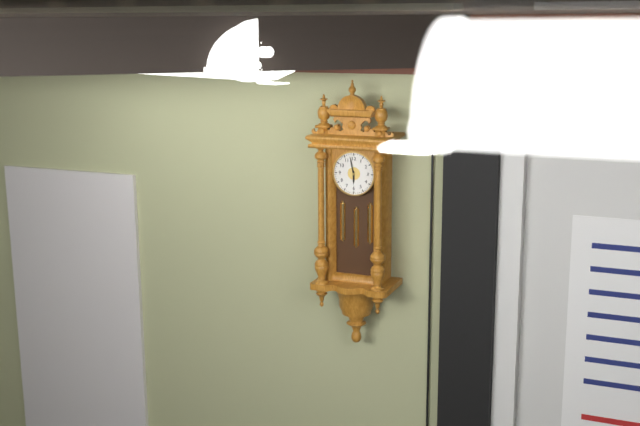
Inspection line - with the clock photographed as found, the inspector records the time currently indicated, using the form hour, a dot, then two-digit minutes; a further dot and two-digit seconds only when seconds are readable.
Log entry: 5.58
